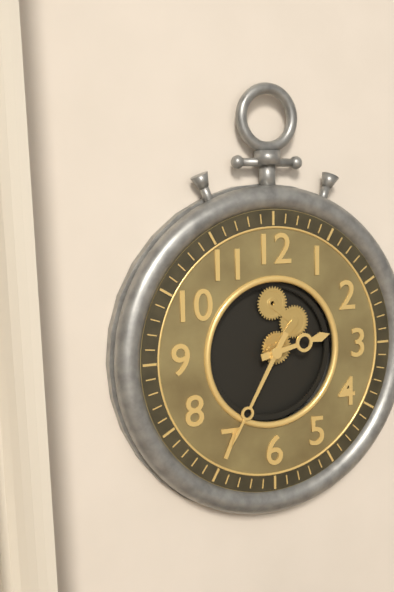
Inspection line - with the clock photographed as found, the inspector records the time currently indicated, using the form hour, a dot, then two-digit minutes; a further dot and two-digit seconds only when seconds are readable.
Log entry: 2.35
